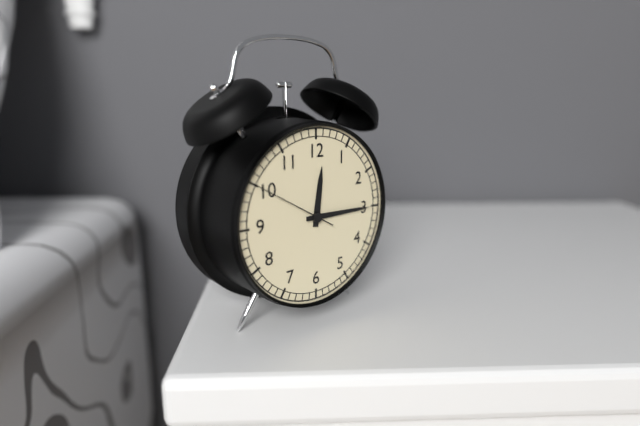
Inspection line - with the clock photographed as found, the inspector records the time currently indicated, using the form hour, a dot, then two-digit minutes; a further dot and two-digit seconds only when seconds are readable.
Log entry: 12.15.50
